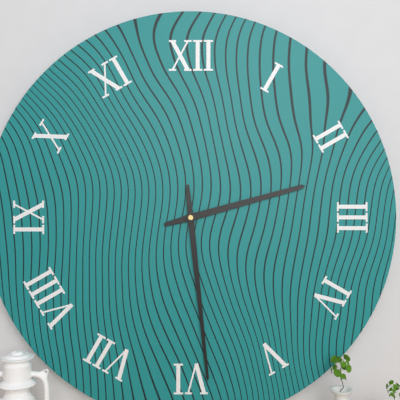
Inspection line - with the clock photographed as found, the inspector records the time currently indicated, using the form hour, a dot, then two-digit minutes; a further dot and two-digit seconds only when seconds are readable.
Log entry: 2.29
